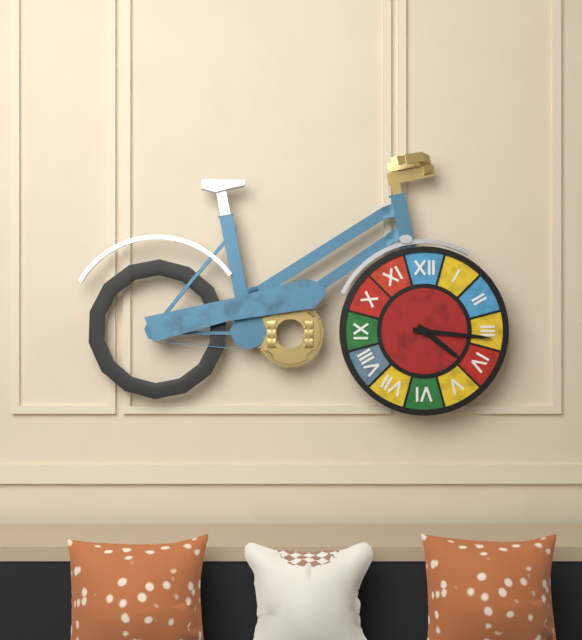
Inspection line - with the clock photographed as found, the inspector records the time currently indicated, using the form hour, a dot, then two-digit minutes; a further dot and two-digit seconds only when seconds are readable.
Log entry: 4.16
